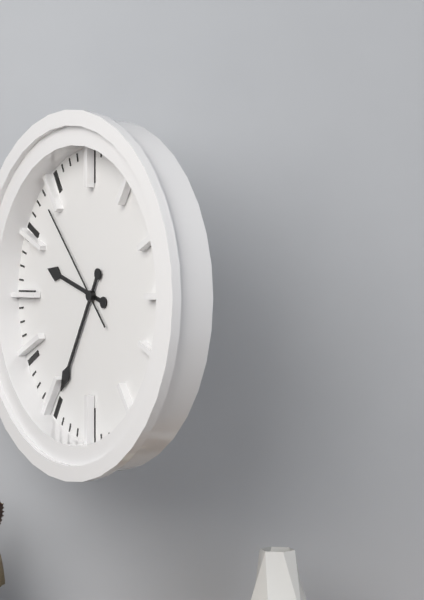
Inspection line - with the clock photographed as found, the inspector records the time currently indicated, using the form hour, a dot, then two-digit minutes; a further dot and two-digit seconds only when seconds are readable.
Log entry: 9.35.53
